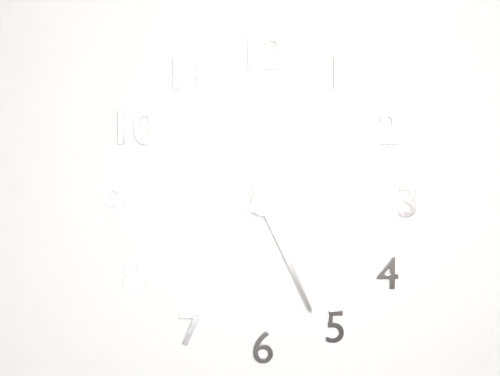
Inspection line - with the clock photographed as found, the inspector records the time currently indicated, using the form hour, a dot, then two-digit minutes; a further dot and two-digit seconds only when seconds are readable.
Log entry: 2.26
